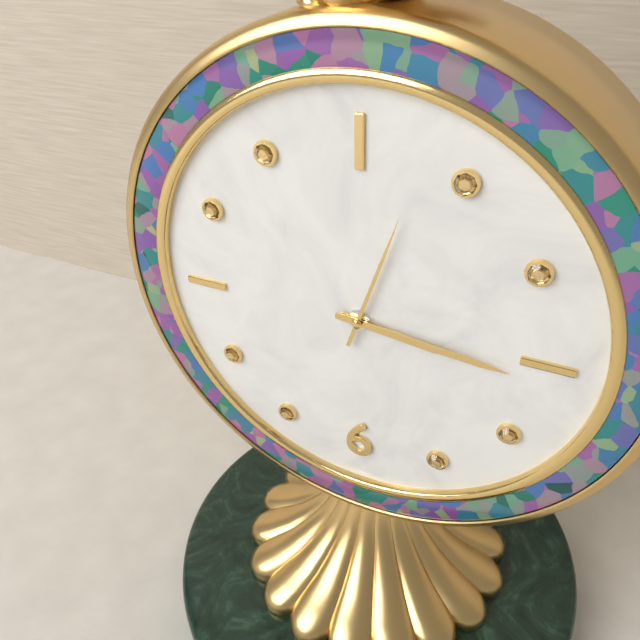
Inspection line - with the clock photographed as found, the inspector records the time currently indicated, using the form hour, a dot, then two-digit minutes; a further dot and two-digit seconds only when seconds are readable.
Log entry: 3.16.03
